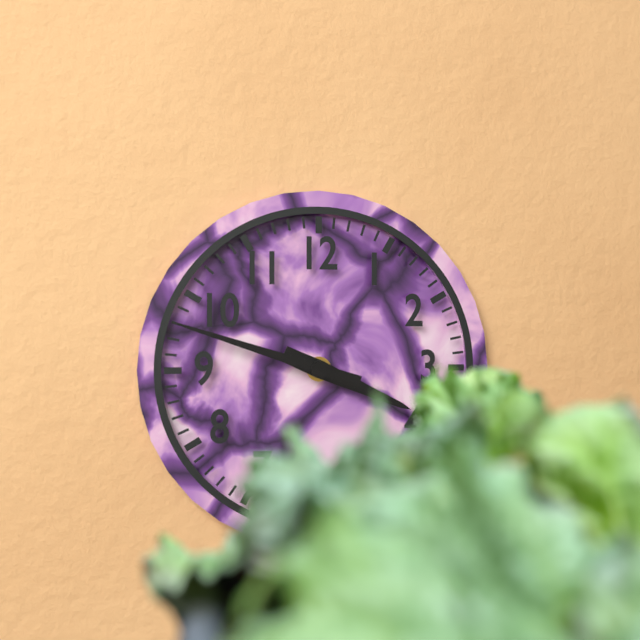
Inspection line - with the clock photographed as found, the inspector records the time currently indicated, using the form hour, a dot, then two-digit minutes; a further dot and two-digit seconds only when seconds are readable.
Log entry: 3.48
